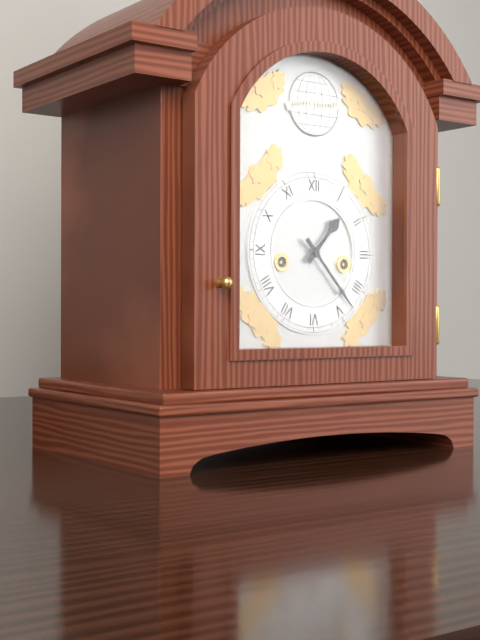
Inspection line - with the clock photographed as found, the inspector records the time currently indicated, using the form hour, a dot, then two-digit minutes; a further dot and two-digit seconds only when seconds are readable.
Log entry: 1.23
